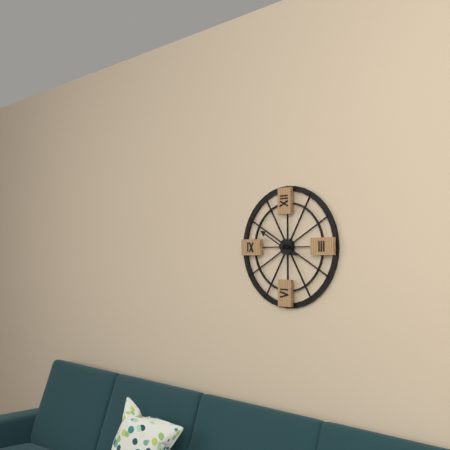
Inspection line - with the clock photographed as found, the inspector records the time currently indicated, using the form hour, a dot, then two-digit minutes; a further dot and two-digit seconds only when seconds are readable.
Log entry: 3.50
